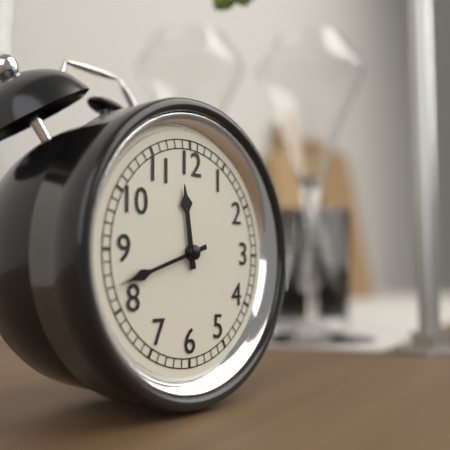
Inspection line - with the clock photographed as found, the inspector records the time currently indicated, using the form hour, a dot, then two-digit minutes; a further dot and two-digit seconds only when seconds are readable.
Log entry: 11.42
